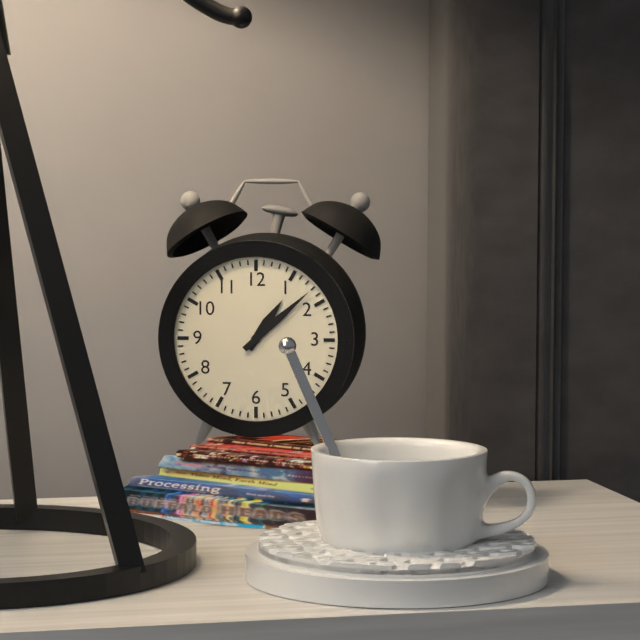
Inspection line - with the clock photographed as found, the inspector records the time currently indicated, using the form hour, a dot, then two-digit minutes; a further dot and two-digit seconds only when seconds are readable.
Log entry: 1.08
